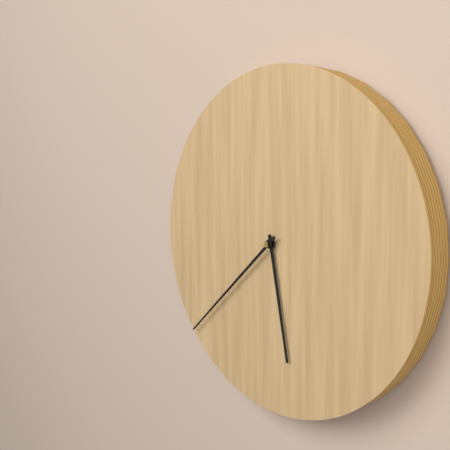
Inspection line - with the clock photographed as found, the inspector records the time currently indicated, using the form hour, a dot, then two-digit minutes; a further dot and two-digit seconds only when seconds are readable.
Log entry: 5.38
